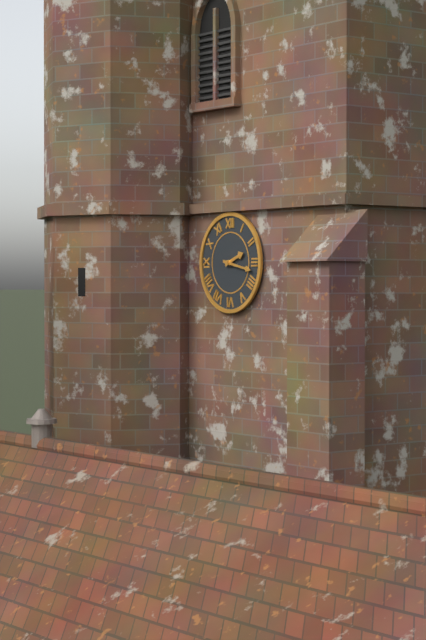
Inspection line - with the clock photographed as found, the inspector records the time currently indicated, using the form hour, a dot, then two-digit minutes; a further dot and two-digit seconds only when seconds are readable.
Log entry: 2.17
